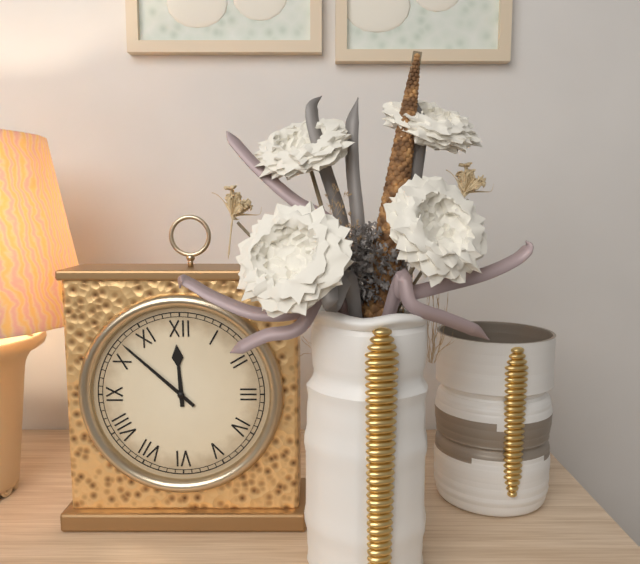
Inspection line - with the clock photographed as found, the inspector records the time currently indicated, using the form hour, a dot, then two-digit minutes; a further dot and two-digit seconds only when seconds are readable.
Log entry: 11.52
